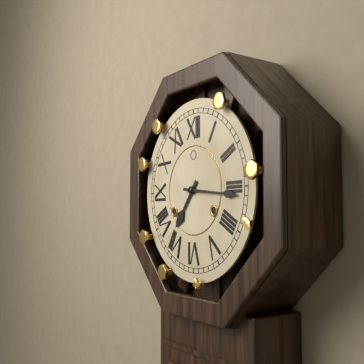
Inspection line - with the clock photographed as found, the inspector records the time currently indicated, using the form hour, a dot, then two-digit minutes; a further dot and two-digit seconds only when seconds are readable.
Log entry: 7.16
